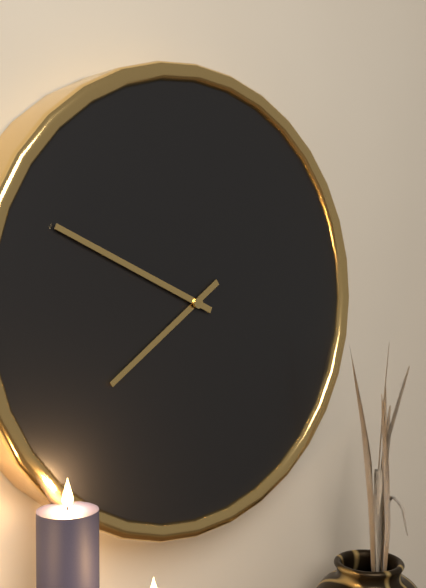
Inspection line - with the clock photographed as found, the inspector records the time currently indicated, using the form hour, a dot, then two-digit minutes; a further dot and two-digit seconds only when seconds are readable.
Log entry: 7.49
